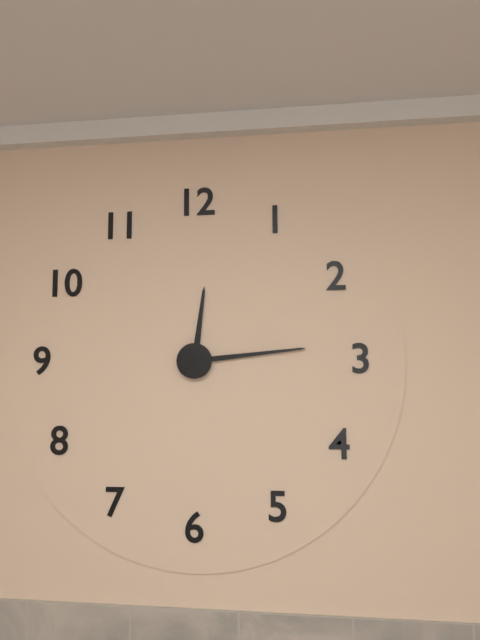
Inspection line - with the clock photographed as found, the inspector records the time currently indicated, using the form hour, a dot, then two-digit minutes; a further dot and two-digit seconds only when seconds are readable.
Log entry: 12.14
